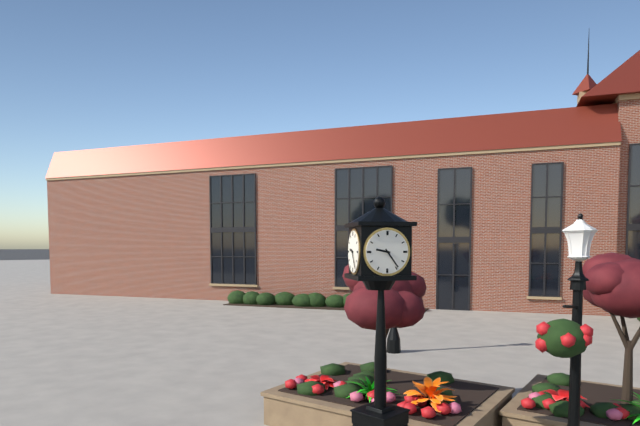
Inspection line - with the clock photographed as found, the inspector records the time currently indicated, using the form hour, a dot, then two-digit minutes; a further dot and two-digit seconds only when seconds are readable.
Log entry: 9.24
